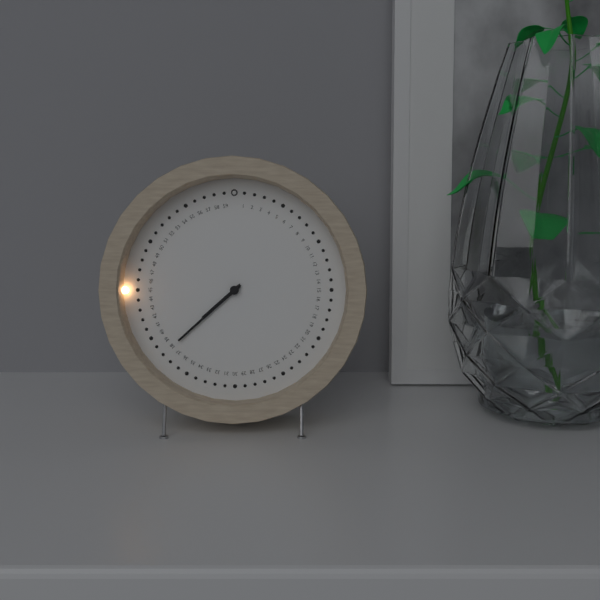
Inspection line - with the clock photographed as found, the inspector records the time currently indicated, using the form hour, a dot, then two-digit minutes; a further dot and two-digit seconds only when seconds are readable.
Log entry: 7.38
